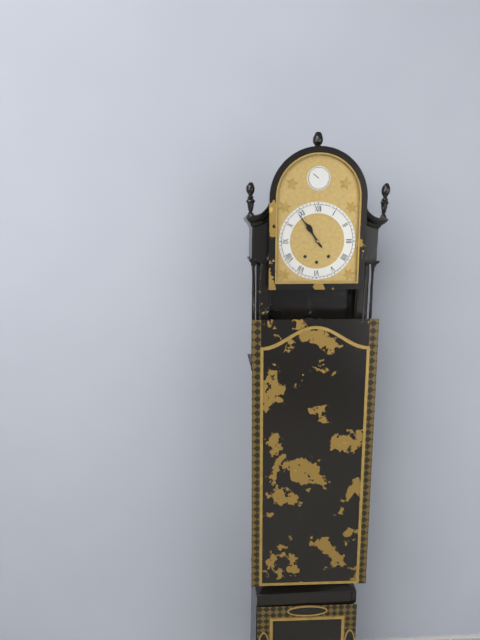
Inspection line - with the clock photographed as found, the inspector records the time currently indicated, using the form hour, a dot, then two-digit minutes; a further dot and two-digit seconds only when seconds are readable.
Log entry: 10.54
